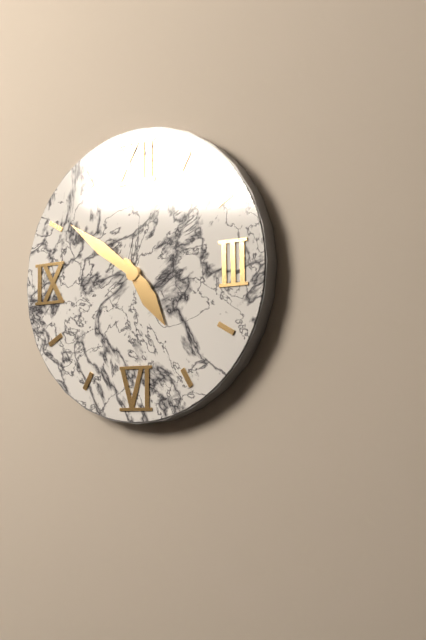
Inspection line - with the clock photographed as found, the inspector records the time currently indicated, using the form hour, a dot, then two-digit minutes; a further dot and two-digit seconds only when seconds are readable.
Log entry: 4.51
